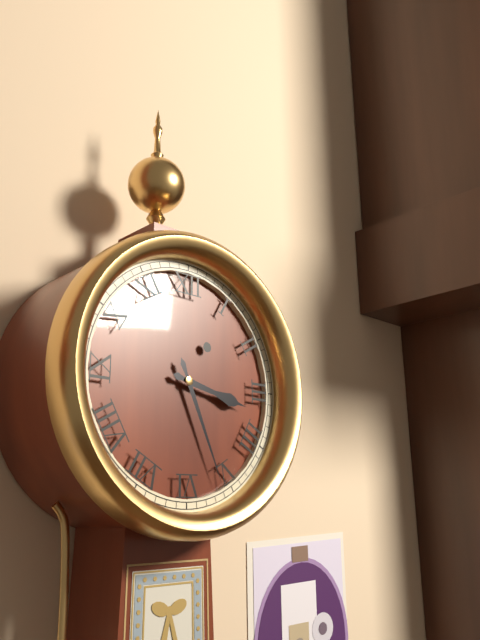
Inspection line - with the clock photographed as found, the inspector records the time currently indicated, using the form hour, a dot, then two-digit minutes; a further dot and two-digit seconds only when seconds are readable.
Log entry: 3.26
